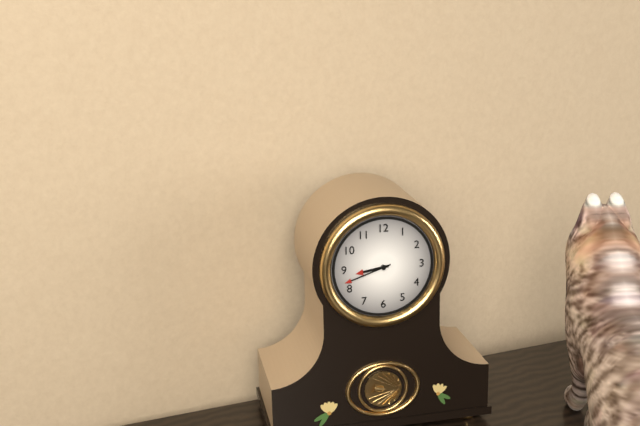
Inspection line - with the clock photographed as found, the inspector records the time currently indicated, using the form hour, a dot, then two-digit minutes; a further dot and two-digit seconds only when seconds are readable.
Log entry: 8.42
